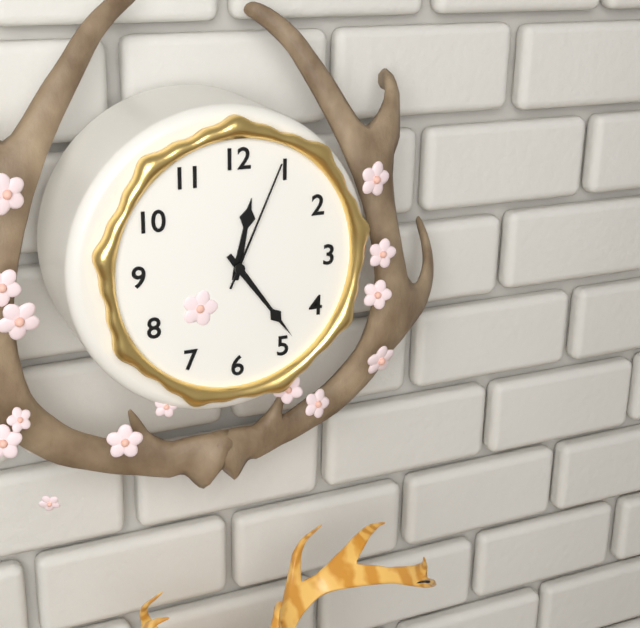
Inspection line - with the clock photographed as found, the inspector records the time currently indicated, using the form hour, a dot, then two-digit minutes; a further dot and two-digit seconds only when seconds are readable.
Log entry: 12.24.04
